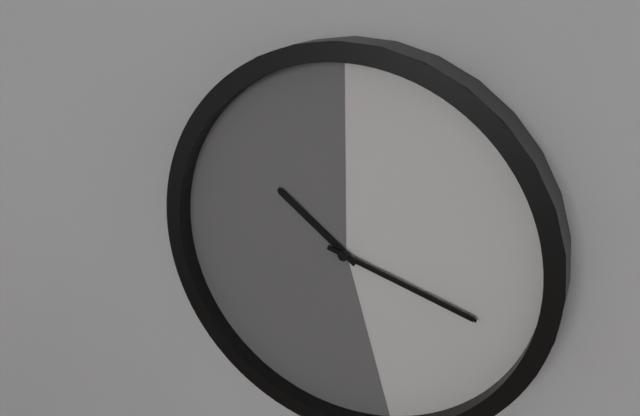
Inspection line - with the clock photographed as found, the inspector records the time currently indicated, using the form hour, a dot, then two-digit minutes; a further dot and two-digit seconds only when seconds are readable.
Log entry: 10.18
